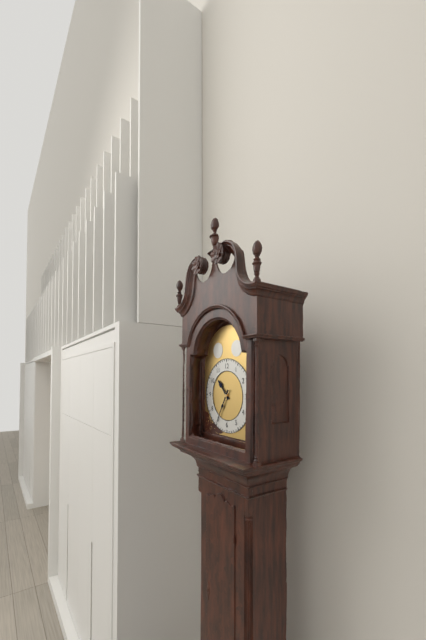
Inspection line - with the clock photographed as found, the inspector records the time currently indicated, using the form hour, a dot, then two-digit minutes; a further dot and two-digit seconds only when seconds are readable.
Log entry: 10.35
